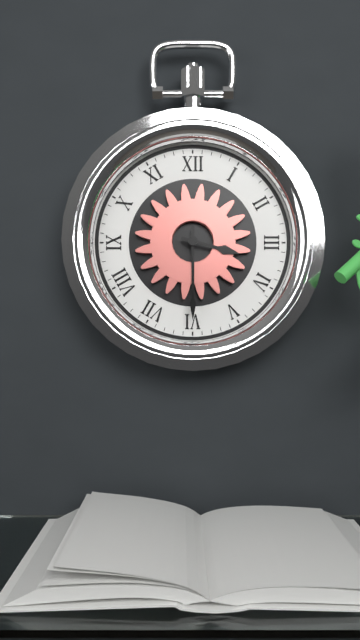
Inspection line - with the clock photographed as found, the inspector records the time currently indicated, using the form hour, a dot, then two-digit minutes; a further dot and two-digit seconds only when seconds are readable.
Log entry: 3.30
